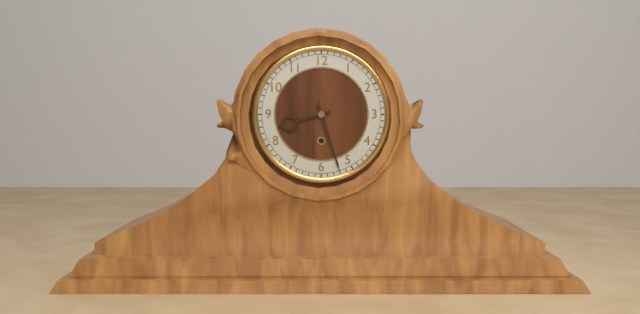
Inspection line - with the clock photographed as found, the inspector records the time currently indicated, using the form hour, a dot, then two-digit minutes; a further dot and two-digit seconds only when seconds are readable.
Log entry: 8.27
